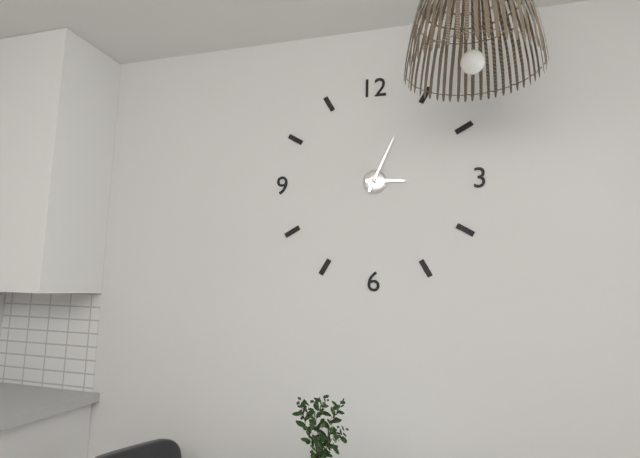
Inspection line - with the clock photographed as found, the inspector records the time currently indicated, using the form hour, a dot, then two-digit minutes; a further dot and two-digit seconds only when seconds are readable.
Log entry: 3.04
